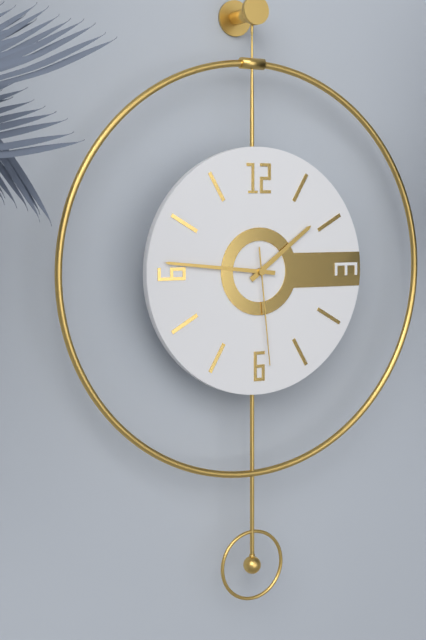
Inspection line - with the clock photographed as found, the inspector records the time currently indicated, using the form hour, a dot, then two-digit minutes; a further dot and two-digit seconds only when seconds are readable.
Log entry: 1.46.29
